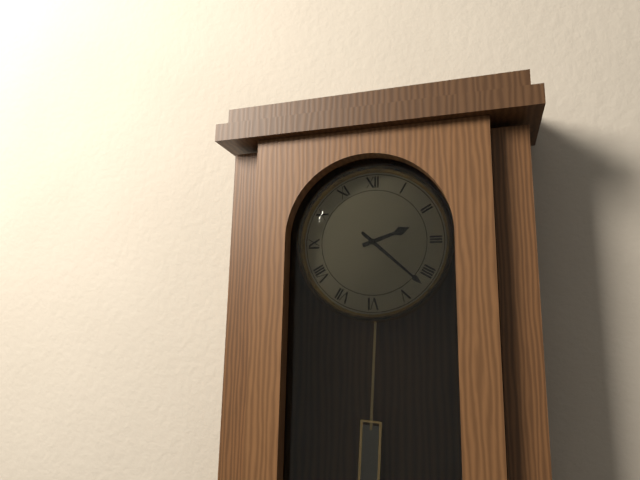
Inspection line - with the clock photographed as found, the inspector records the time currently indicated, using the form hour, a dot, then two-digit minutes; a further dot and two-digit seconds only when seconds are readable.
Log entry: 2.22
